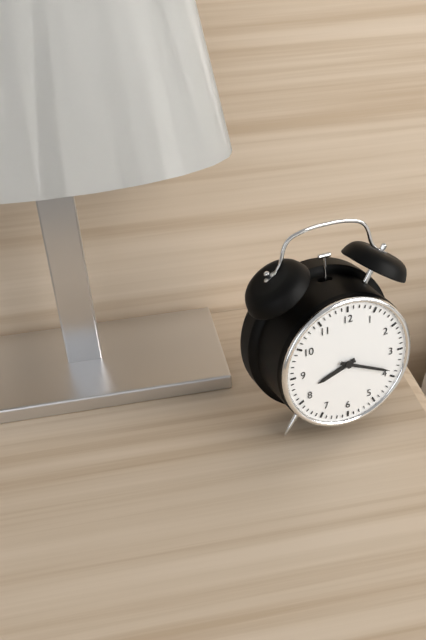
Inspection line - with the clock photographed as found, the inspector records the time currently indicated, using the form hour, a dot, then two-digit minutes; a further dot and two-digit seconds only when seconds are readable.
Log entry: 8.19
